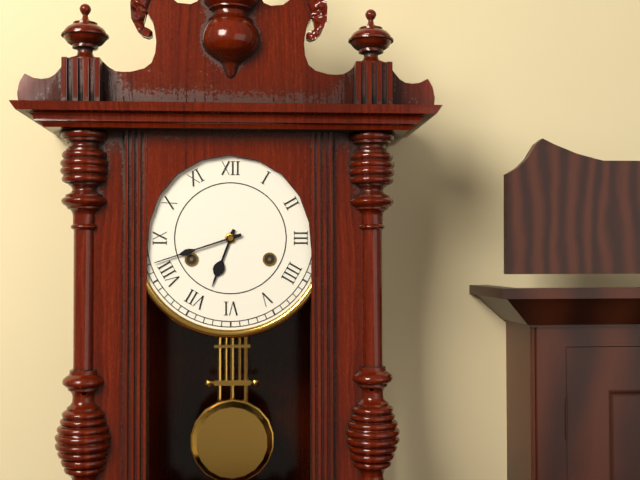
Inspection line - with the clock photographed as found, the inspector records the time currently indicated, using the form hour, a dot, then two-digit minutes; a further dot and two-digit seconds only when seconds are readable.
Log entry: 6.42
